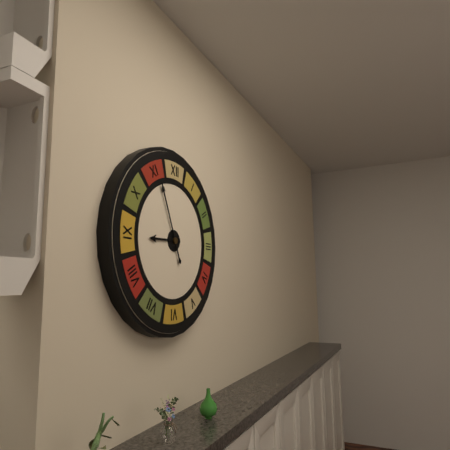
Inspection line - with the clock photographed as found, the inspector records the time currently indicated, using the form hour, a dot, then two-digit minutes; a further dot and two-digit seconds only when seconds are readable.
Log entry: 8.56
